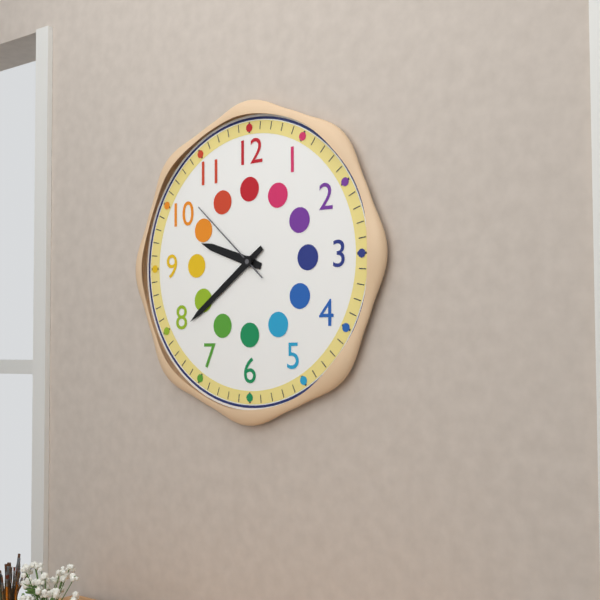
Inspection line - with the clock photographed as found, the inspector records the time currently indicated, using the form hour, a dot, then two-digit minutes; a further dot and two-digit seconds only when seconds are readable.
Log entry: 9.39.52
